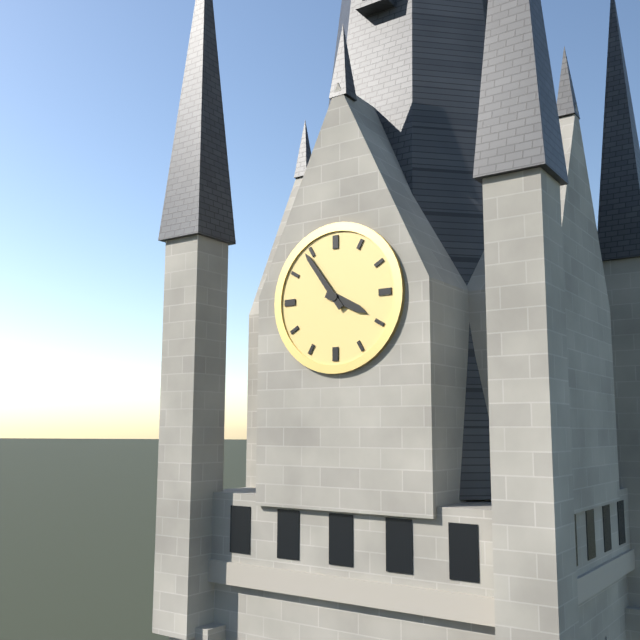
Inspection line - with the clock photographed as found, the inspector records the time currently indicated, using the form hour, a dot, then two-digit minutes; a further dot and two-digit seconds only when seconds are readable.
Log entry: 3.54
